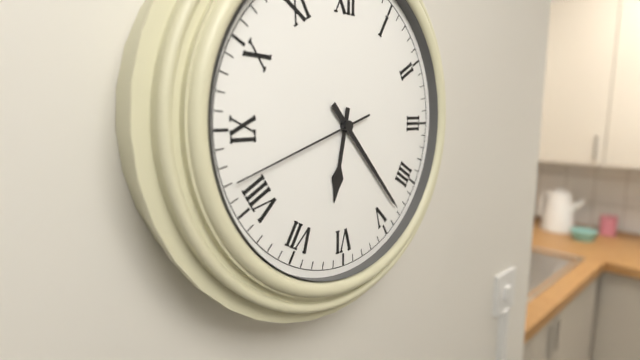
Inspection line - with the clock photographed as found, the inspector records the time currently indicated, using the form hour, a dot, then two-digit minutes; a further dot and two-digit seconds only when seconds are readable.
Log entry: 6.23.42
